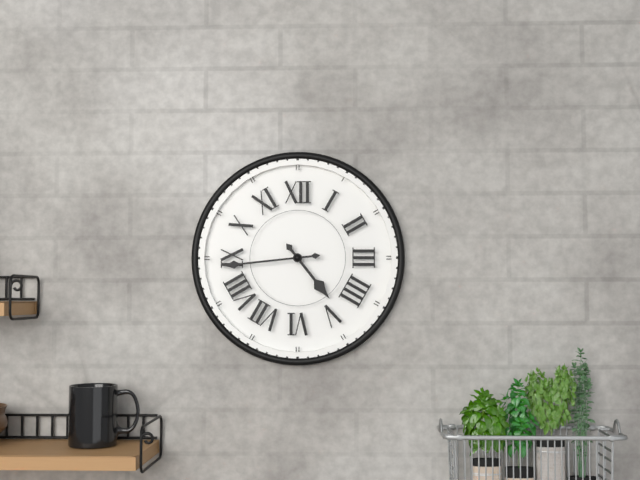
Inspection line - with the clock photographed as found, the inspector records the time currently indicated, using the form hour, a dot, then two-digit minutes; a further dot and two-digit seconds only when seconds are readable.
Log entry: 4.44
